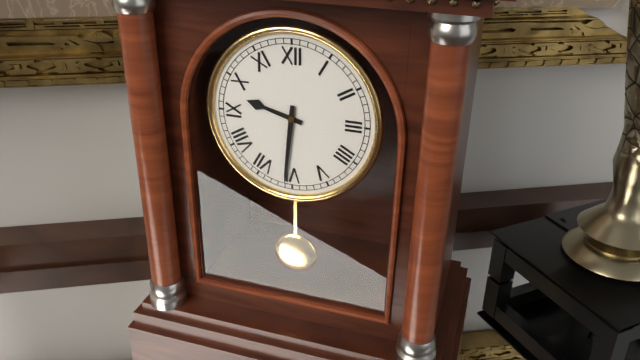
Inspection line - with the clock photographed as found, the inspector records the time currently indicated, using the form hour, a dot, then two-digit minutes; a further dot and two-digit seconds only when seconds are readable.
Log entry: 9.31
